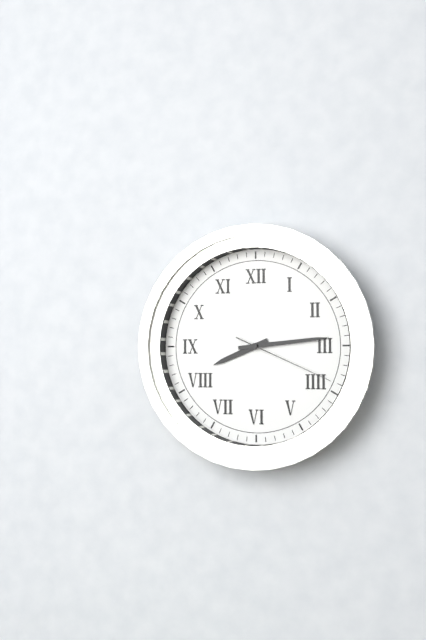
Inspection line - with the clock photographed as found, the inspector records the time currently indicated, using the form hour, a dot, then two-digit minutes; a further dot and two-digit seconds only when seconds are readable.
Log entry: 8.14.19
